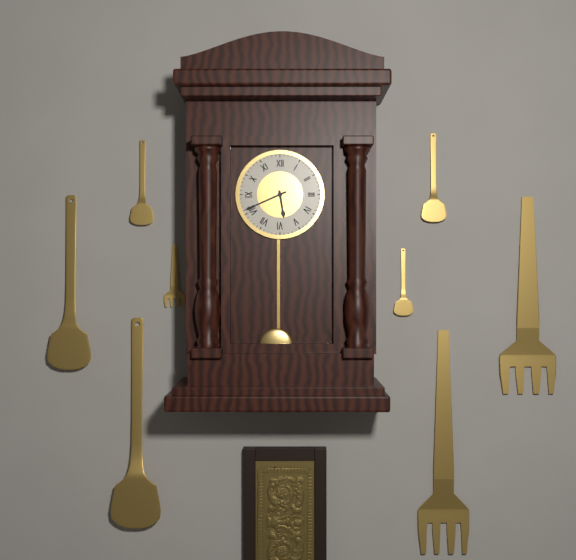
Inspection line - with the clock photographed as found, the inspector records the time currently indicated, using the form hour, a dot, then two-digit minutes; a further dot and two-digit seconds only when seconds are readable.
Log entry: 5.41
